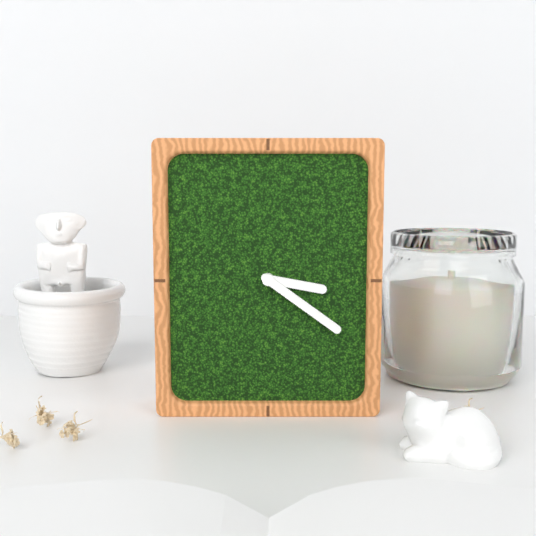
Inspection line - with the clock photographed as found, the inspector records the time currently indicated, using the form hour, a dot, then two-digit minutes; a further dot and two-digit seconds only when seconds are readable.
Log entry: 3.21
